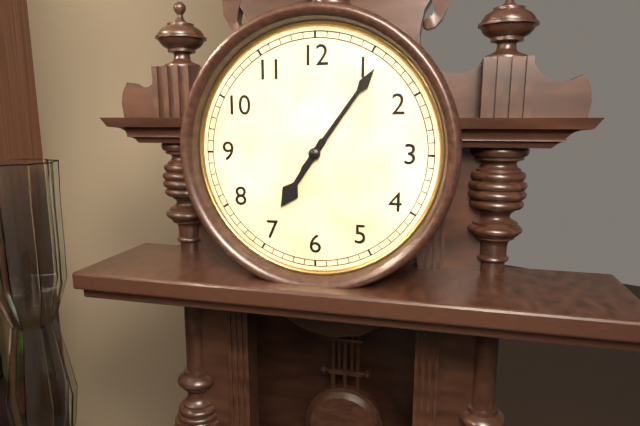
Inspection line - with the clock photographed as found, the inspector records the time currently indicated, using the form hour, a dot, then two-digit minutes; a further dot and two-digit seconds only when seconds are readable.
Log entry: 7.06
